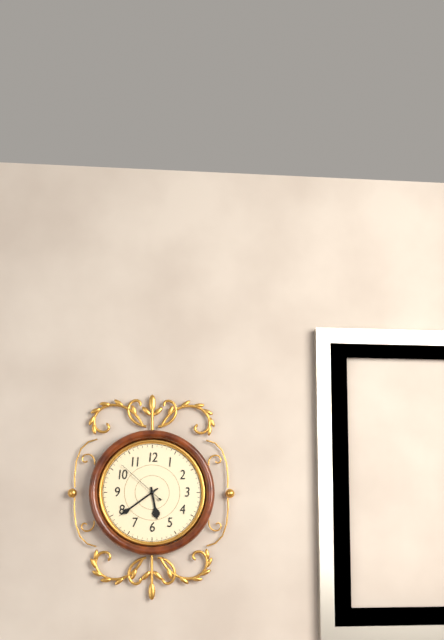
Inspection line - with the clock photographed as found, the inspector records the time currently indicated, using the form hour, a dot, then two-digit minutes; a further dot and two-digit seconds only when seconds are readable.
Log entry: 5.39.52
